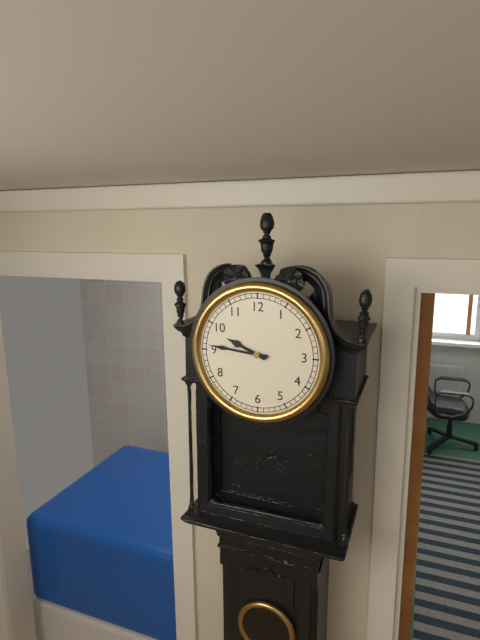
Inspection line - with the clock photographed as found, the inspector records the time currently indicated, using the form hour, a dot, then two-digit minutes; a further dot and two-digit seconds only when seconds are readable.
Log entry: 9.46
